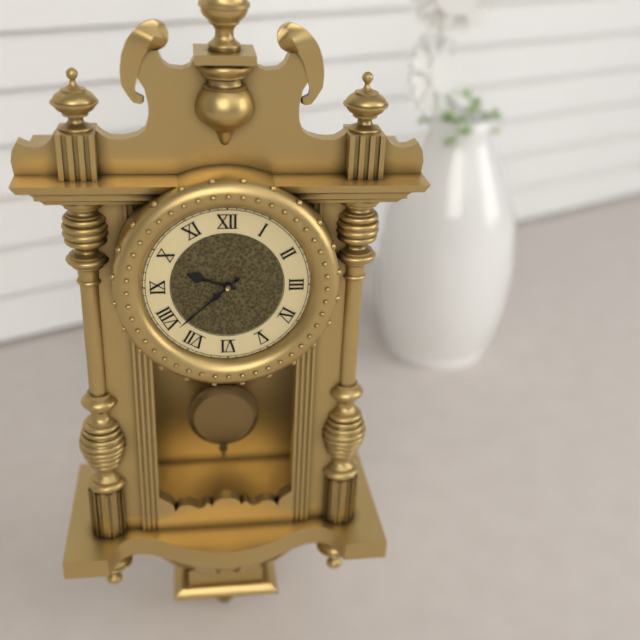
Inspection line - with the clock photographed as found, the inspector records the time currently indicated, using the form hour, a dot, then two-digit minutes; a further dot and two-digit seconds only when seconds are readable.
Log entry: 9.38
